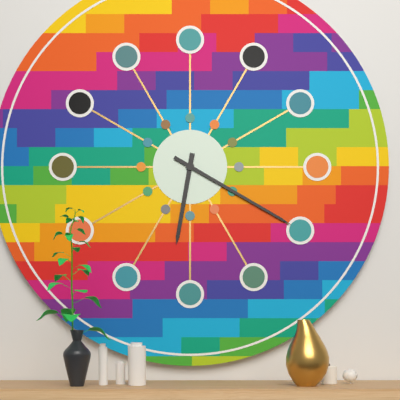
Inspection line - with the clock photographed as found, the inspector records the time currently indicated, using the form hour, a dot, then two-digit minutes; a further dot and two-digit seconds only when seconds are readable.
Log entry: 6.20
